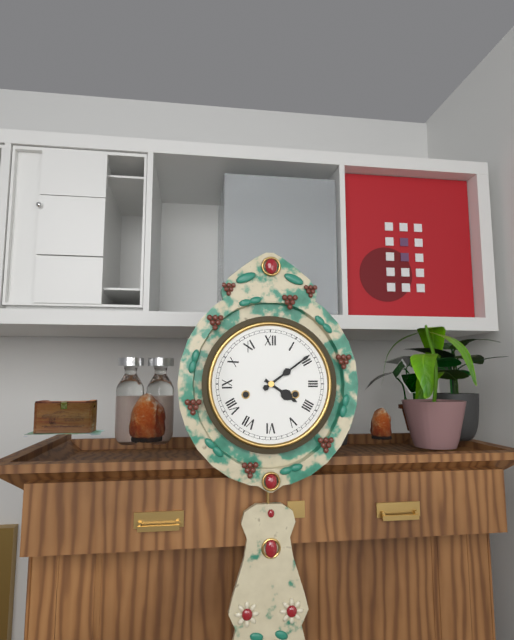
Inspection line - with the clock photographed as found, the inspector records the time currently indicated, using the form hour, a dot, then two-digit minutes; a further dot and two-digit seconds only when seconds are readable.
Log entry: 4.09
